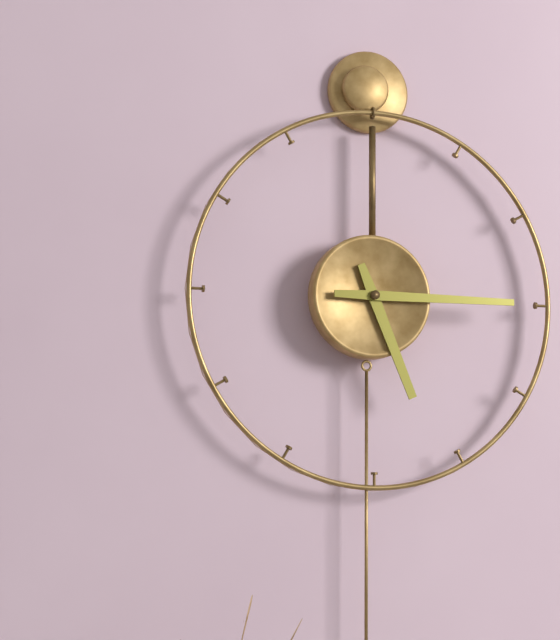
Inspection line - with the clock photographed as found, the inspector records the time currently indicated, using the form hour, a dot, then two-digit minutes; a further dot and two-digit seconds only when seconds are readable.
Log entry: 5.15
